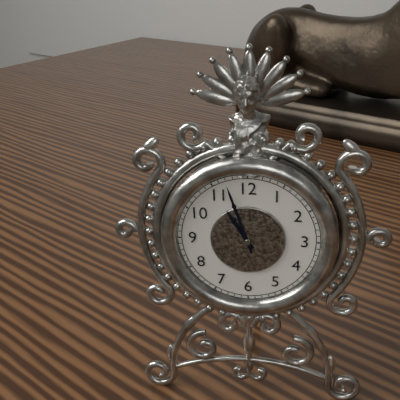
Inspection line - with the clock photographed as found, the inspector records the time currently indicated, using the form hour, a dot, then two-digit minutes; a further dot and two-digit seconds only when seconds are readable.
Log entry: 10.57
